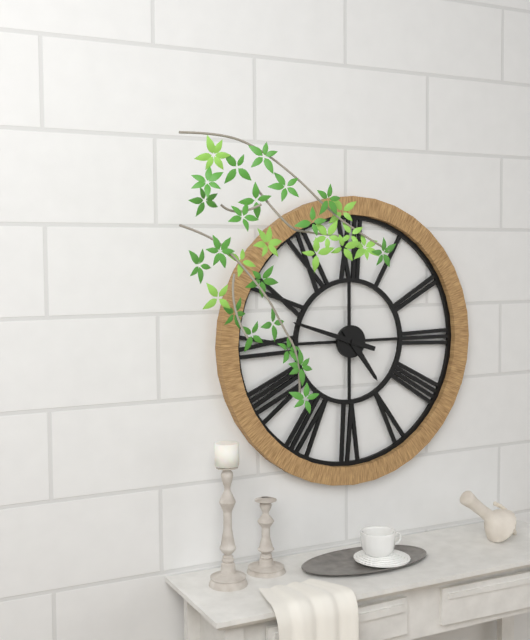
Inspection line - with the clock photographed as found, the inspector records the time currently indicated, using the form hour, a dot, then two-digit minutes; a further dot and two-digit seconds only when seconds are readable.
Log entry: 4.48
